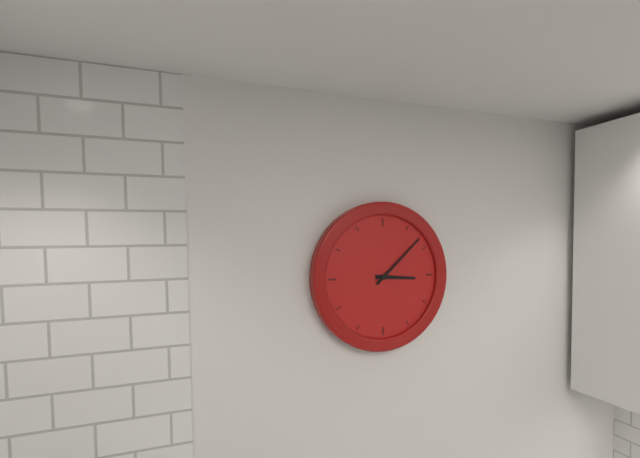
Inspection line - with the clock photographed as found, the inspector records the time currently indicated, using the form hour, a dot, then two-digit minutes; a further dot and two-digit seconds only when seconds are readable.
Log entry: 3.08
